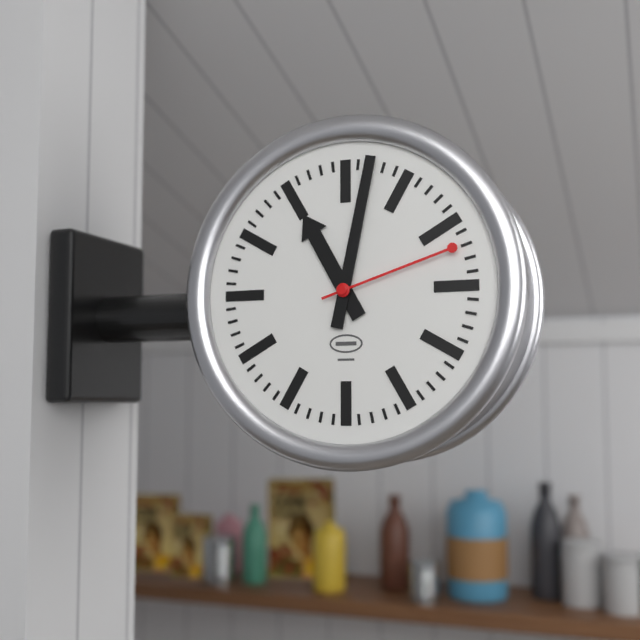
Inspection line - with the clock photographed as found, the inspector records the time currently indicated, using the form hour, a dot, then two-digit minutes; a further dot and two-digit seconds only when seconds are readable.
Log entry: 11.02.12
